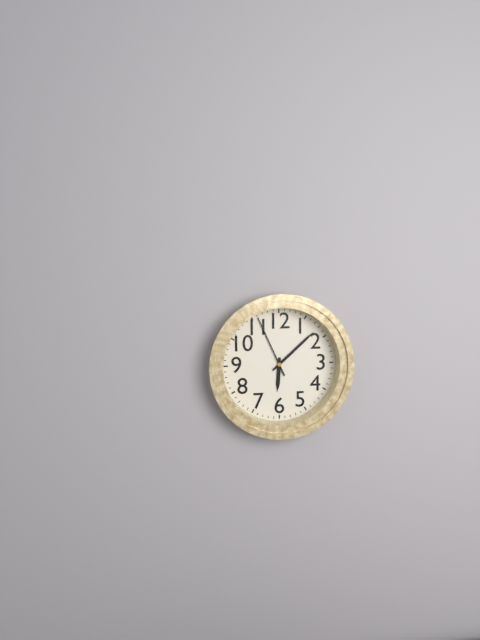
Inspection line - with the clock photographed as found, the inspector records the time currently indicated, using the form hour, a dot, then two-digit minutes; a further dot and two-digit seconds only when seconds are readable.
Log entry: 6.08.56
